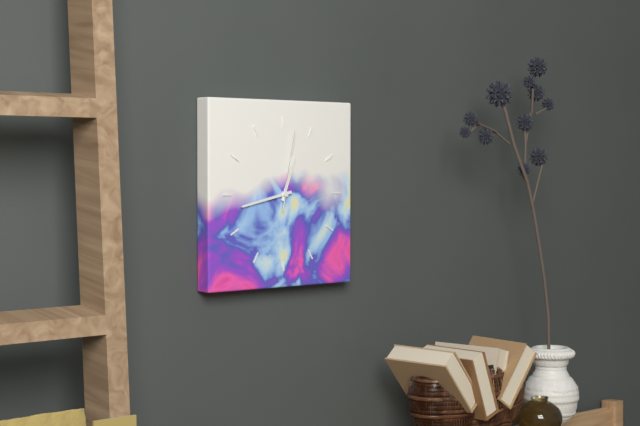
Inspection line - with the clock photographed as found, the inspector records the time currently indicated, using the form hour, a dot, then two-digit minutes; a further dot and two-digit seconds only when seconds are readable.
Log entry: 12.43.02
